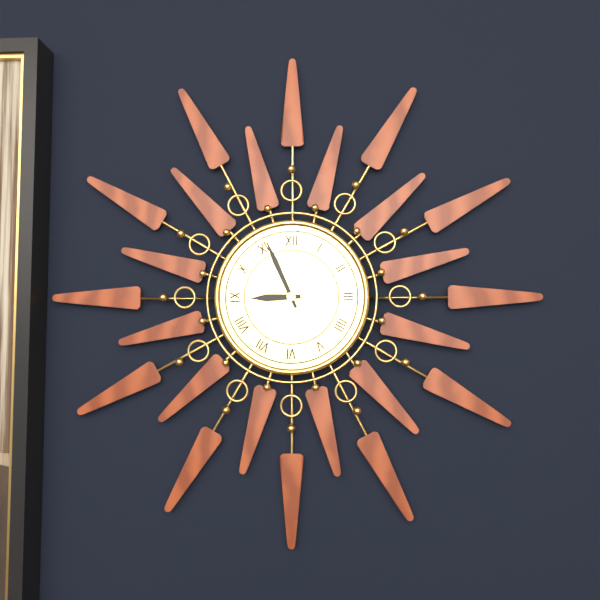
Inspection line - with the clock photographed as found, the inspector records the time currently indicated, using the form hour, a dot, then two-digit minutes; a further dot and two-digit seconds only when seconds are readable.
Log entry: 8.56
